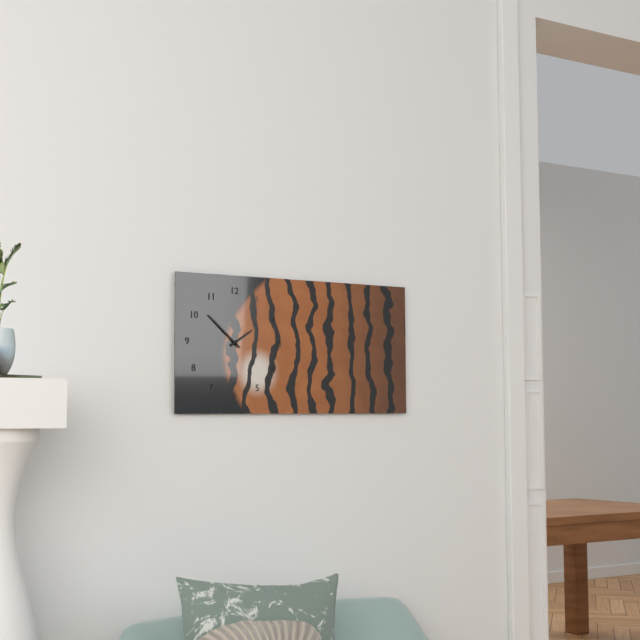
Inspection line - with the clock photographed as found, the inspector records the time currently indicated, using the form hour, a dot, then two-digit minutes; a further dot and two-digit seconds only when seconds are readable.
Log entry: 1.52
